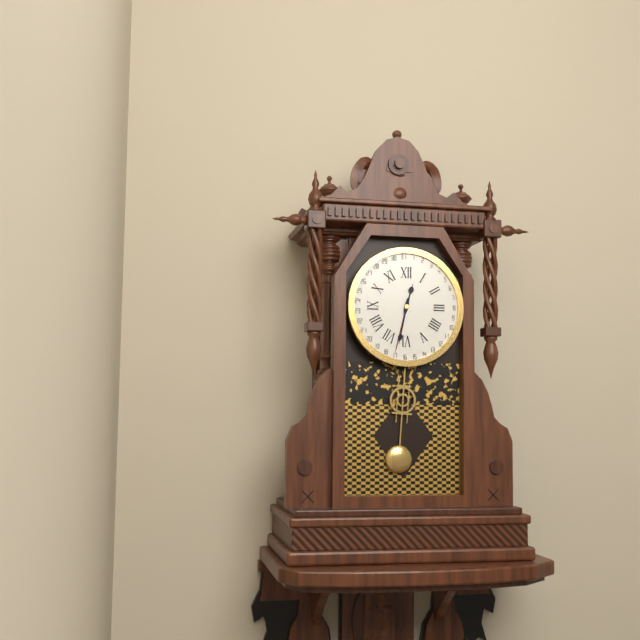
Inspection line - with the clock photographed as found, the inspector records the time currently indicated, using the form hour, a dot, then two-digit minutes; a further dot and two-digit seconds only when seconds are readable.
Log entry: 12.32
